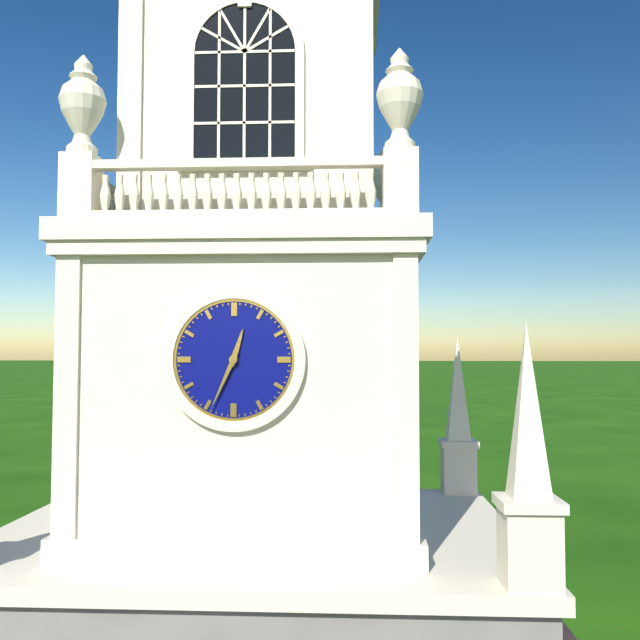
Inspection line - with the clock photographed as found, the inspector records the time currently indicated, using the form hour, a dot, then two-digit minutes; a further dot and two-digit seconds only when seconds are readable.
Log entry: 12.34
